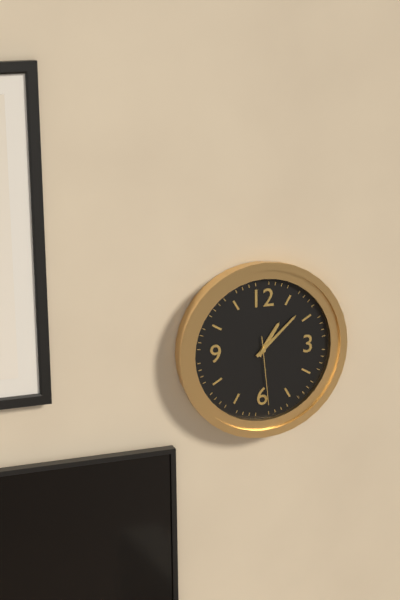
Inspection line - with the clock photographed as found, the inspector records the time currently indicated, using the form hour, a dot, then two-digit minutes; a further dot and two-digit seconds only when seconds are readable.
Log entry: 1.08.29
